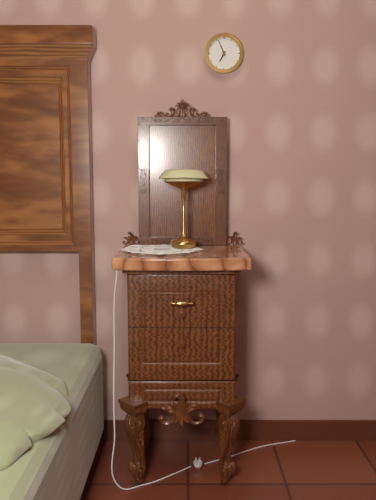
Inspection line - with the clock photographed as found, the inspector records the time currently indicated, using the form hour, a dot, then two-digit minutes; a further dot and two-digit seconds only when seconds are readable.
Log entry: 6.56
